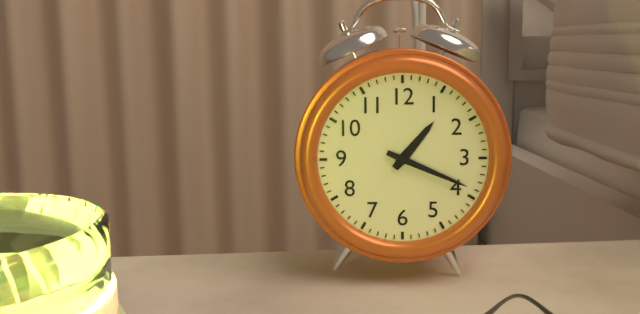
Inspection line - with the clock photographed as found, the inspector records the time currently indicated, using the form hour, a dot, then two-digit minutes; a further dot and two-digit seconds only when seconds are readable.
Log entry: 1.19
